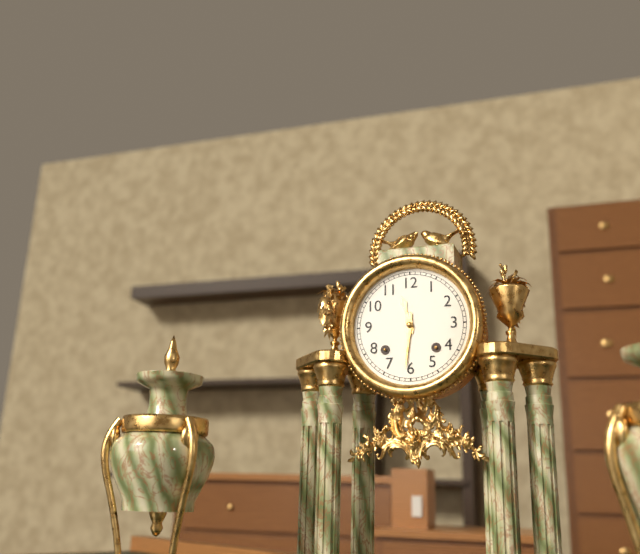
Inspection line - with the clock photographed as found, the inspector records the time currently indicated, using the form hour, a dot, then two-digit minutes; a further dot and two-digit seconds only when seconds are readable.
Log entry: 11.31
